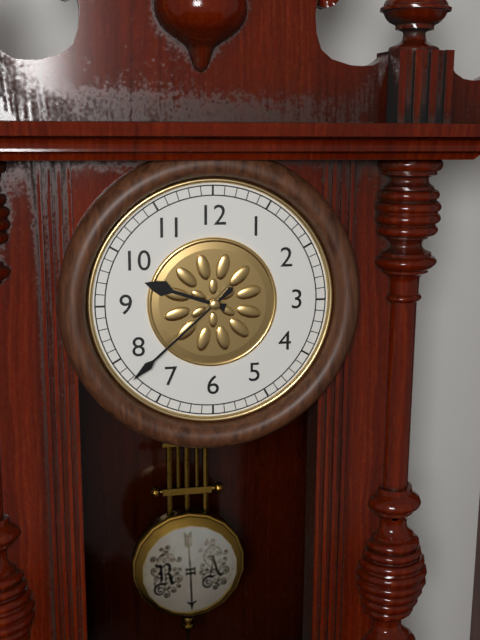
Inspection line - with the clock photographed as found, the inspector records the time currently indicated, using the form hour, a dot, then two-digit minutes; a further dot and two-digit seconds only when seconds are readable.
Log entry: 9.38
